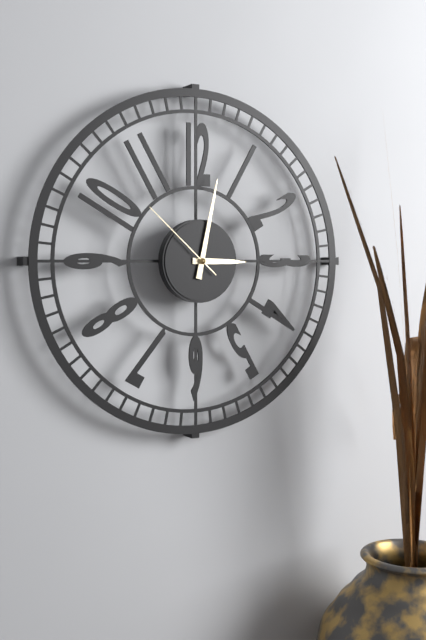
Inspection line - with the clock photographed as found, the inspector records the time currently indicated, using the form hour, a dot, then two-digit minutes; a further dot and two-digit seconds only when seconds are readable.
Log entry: 3.02.52
